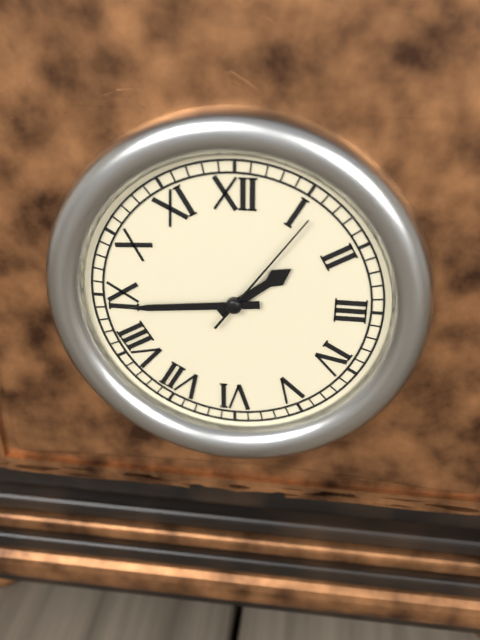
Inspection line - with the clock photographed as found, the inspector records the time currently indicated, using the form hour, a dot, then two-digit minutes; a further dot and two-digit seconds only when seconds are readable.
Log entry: 1.44.06
